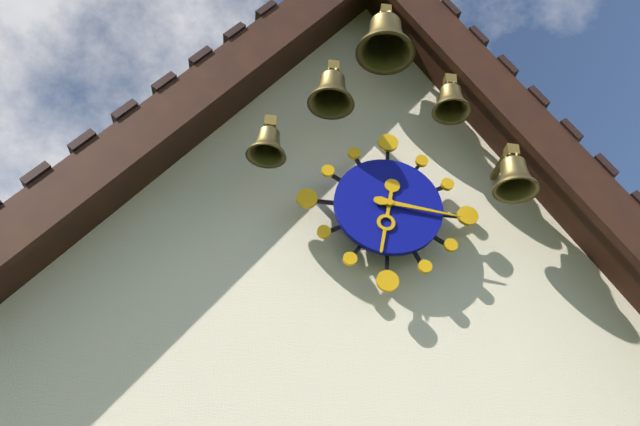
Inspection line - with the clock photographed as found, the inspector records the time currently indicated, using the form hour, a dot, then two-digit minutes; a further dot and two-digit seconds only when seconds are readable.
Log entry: 6.16
